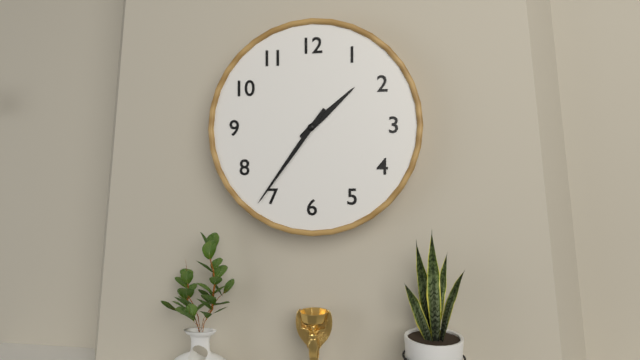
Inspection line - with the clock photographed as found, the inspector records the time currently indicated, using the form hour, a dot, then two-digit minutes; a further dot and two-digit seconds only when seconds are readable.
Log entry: 1.36
